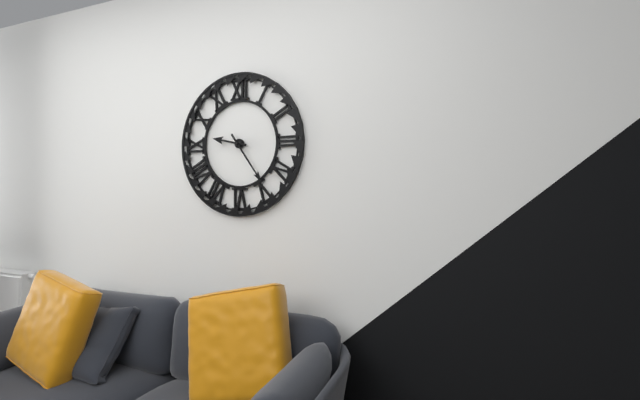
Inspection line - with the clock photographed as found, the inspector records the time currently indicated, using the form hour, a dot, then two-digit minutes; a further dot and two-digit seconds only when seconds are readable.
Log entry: 9.24
